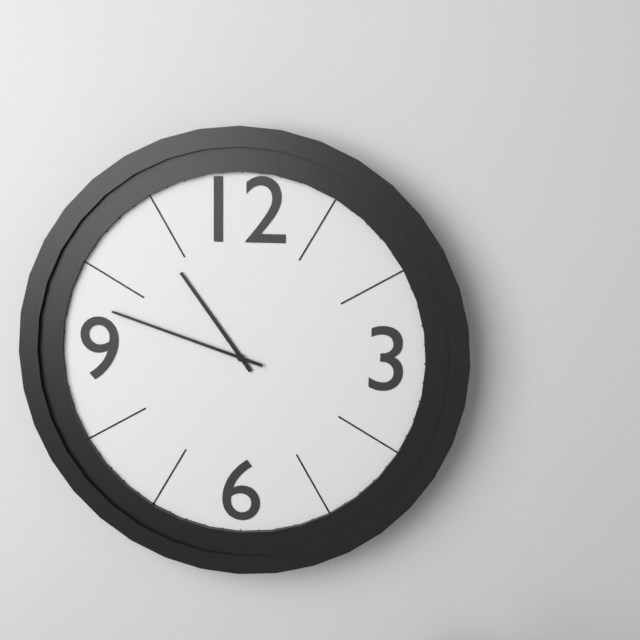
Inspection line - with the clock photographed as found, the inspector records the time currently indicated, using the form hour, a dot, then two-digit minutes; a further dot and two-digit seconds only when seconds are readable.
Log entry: 10.48
